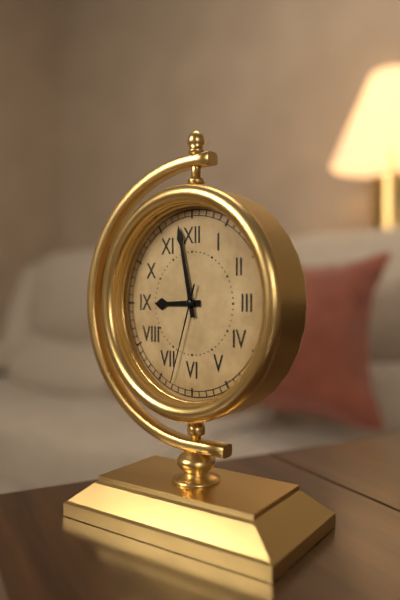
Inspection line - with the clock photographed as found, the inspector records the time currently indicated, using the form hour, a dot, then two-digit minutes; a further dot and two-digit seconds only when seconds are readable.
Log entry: 8.58.33
